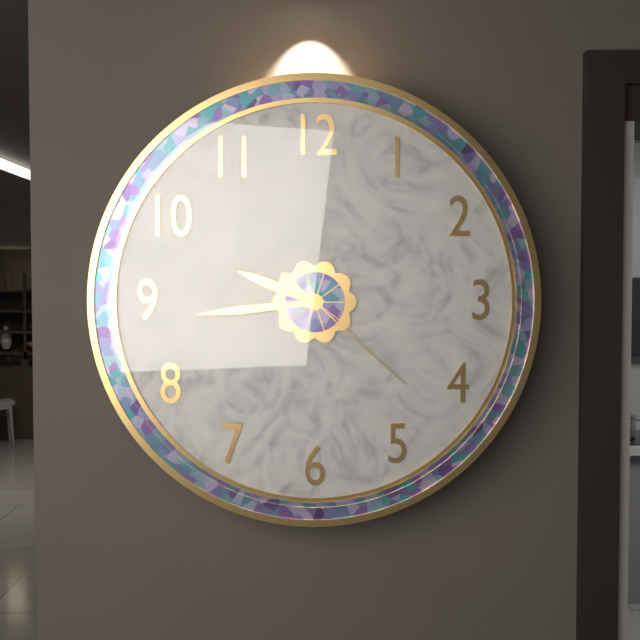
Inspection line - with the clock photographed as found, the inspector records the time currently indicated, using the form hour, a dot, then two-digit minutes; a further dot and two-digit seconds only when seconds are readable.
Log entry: 9.44.22
